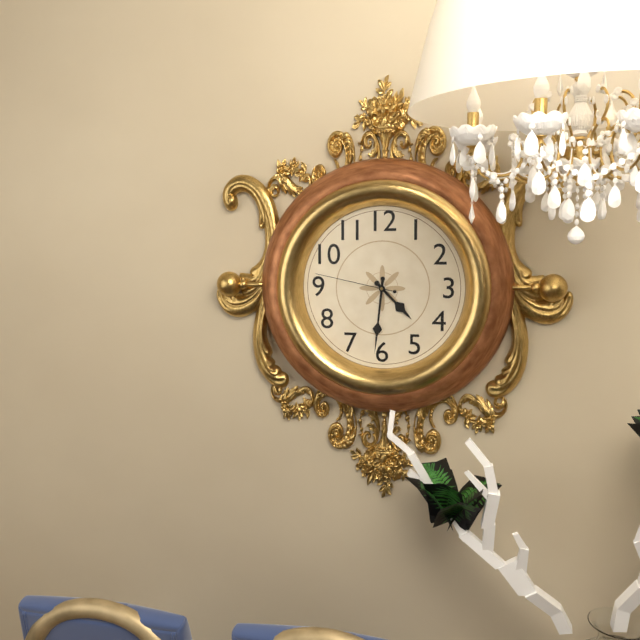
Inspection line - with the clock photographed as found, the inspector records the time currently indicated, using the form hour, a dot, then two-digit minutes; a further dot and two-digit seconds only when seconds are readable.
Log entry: 4.31.47
